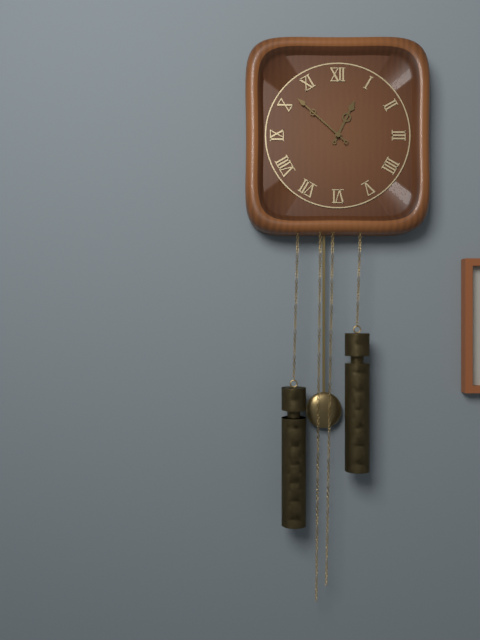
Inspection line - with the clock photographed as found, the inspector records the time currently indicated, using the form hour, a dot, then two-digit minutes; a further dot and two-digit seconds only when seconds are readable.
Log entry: 12.52
